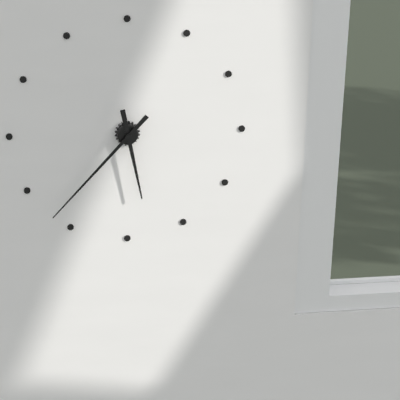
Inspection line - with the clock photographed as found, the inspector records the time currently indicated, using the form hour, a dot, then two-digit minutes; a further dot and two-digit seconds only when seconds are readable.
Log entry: 5.37
